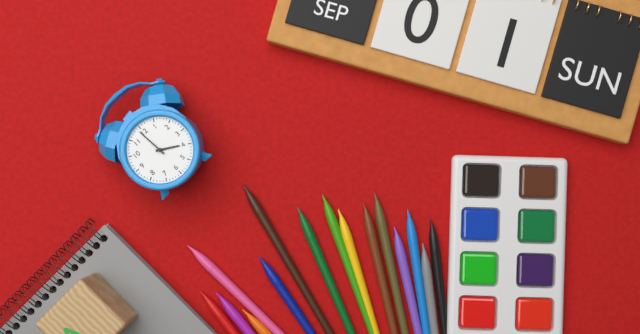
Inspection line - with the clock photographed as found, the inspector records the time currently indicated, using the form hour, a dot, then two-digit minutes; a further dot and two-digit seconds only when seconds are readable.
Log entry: 3.59
